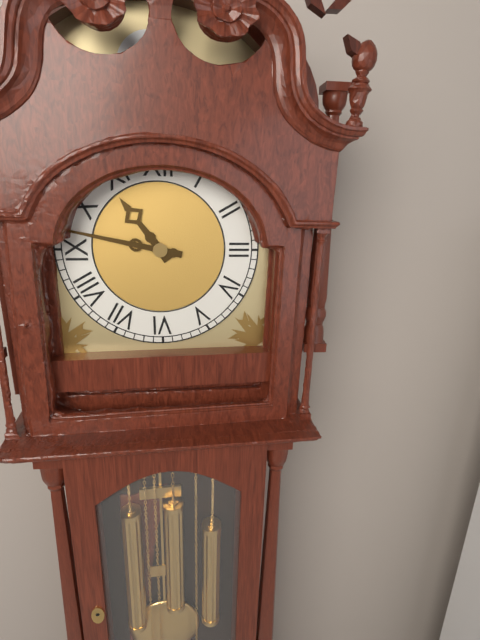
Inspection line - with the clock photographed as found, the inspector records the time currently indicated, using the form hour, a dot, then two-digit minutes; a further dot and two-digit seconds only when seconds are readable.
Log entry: 10.47
